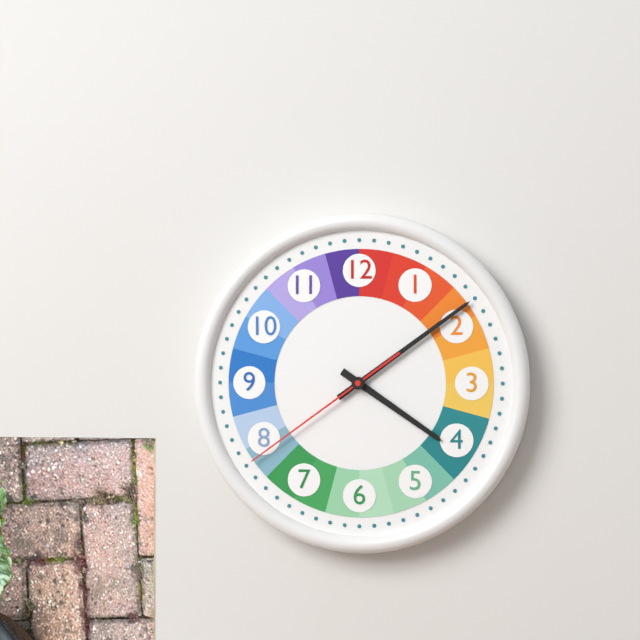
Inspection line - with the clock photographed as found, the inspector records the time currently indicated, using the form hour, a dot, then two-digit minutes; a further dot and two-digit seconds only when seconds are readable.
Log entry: 4.09.39
